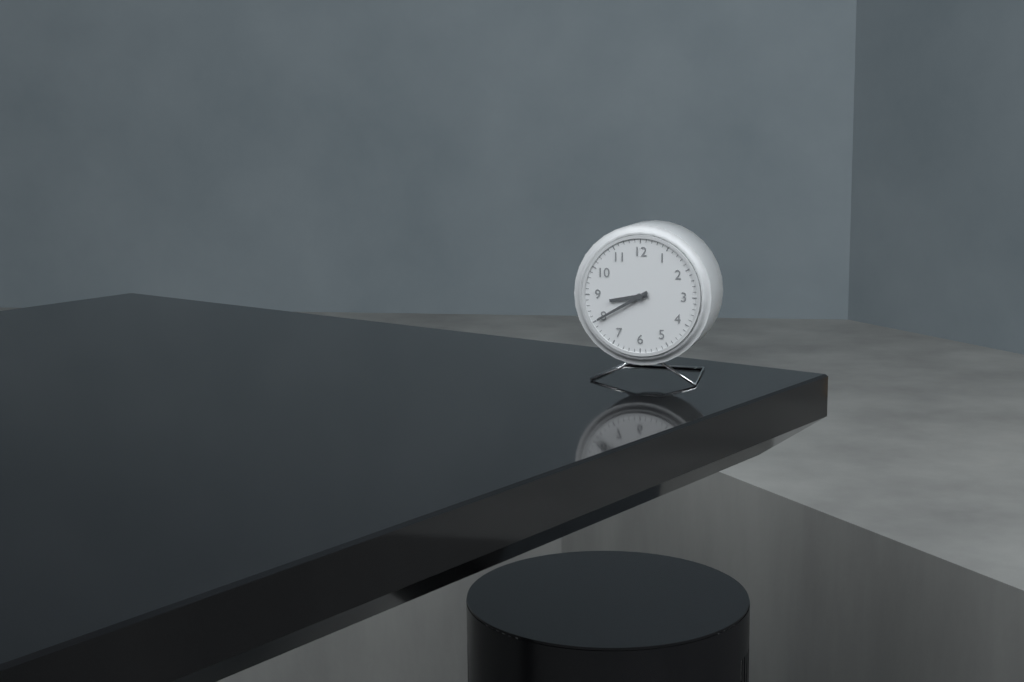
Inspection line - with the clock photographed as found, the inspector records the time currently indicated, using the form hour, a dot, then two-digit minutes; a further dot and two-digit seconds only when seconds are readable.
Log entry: 8.40
